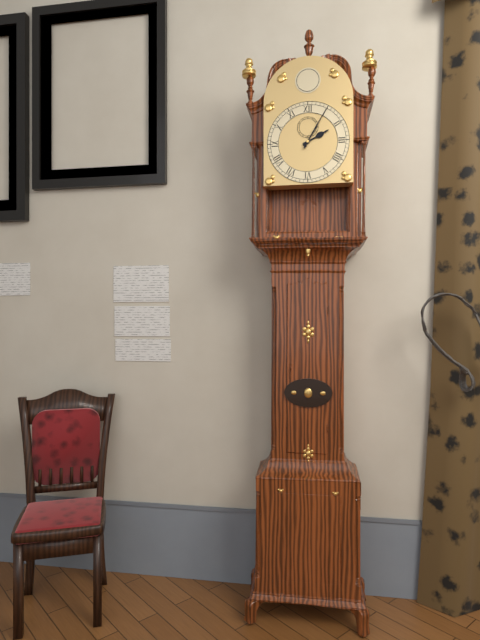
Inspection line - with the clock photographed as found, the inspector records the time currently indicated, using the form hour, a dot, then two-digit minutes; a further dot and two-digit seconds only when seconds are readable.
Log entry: 2.05
